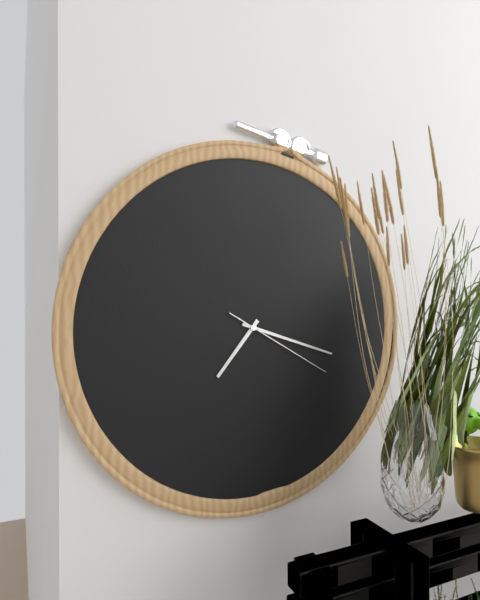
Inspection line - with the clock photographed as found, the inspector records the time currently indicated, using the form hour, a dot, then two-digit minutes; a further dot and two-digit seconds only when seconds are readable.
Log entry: 7.18.20
